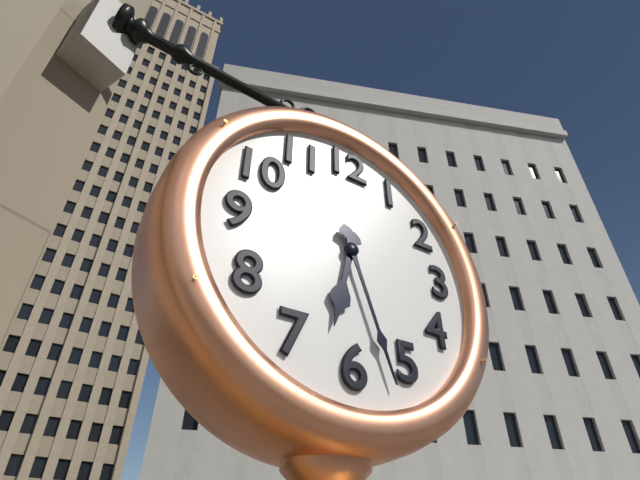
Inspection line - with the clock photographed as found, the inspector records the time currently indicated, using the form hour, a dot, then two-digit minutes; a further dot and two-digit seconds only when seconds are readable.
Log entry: 6.27
